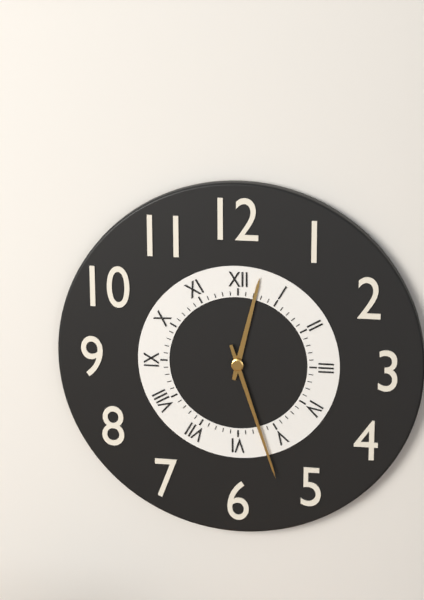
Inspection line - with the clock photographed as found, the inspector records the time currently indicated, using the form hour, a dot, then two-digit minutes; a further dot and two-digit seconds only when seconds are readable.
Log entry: 12.27
